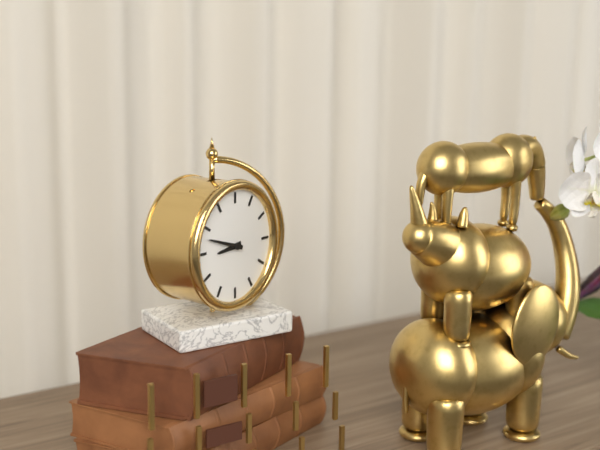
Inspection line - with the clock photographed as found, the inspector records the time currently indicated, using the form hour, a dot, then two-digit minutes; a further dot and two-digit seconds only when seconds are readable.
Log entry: 8.48
